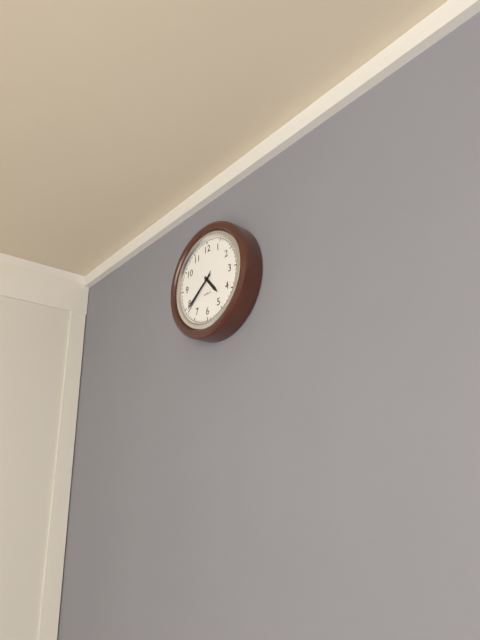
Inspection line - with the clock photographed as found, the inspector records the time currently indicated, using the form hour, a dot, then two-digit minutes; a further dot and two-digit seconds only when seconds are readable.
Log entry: 4.39
